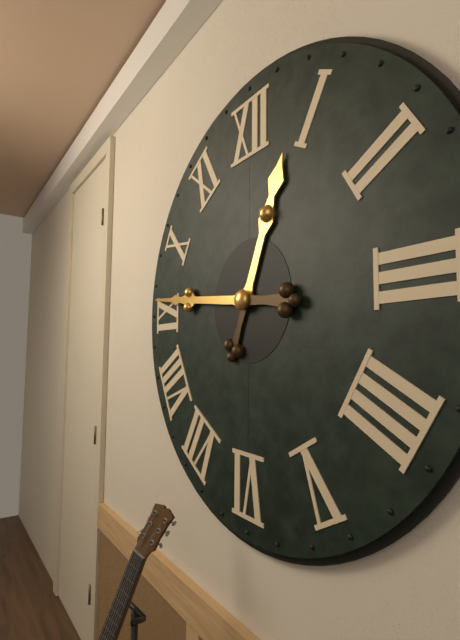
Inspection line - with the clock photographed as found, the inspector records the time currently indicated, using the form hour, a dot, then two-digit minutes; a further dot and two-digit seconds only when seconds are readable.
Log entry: 12.46
